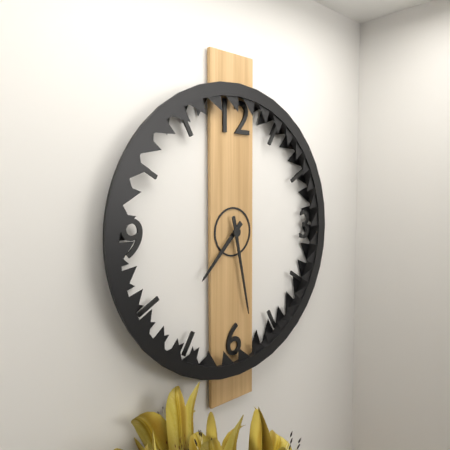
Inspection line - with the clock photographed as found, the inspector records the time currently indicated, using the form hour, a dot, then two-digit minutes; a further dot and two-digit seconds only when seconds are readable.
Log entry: 7.28
